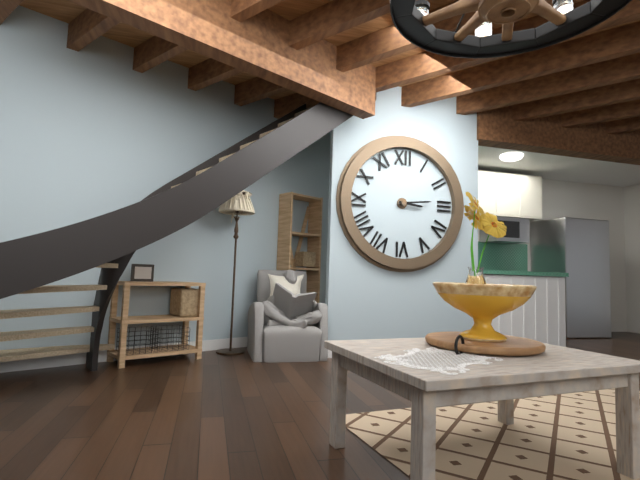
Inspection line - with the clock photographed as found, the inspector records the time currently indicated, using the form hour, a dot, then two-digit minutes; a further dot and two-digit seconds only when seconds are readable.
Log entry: 3.14
